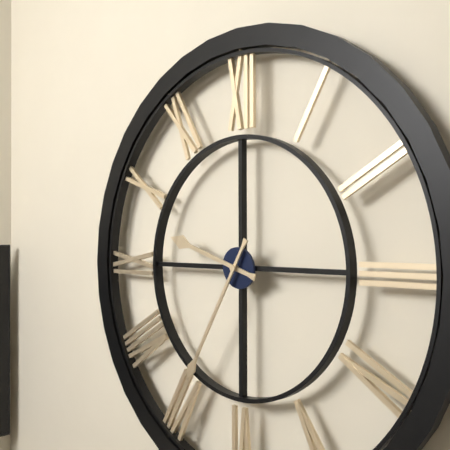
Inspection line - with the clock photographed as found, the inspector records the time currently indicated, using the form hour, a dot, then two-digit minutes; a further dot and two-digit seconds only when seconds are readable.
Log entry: 9.35
